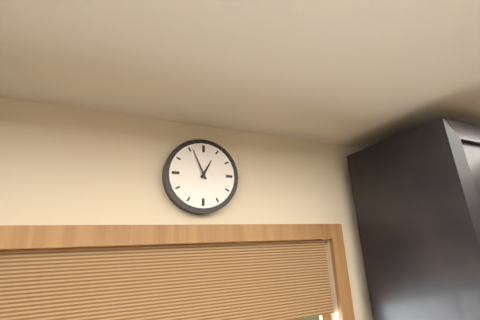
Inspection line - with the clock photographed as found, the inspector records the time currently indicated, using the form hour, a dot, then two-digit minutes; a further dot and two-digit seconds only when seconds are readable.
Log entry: 12.56
